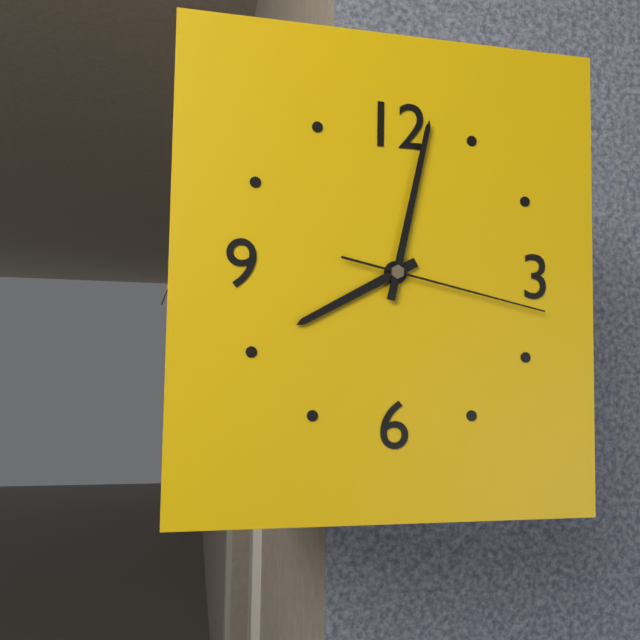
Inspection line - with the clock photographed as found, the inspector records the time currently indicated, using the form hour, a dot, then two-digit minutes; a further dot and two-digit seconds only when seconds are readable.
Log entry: 8.02.17
